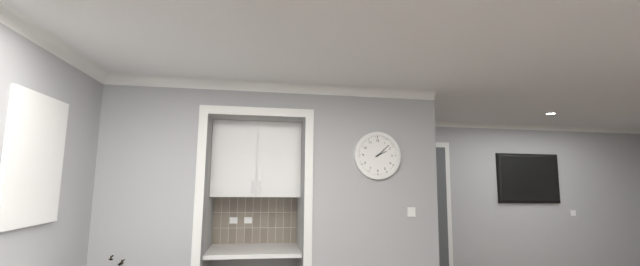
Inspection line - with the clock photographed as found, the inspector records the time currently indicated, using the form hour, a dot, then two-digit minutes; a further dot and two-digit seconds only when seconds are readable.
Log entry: 2.08
